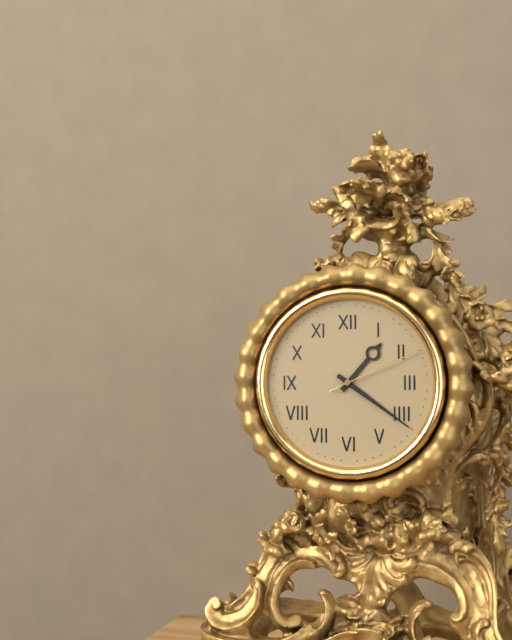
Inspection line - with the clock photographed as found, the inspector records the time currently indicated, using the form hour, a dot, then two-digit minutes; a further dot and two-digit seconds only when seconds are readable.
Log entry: 1.21.11
